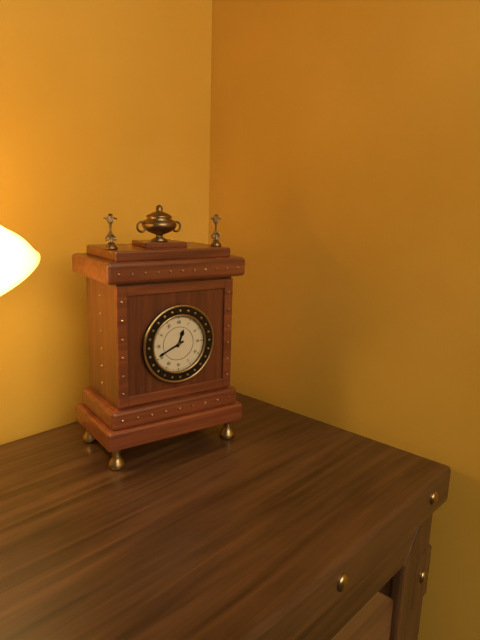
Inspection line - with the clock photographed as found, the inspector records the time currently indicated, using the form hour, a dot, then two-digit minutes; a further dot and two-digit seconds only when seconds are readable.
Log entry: 12.41
